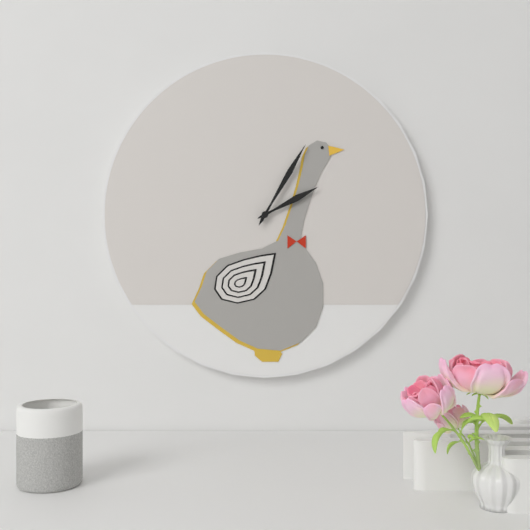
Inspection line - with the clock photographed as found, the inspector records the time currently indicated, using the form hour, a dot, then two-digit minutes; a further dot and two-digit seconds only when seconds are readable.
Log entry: 2.05
